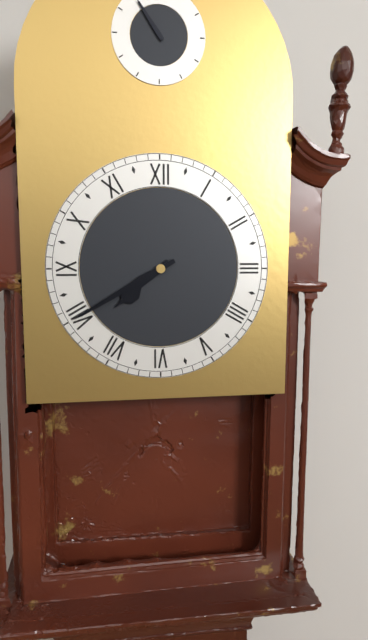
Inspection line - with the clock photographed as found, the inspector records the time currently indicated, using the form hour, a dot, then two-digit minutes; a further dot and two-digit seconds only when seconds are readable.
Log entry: 7.40
